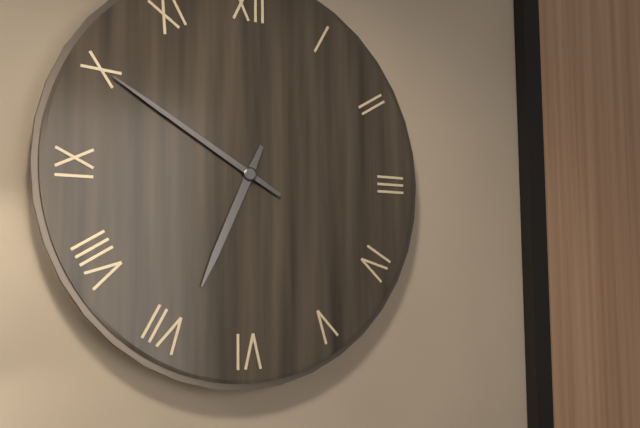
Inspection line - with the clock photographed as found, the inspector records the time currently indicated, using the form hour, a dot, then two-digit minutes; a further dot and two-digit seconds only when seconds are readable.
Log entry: 6.50
